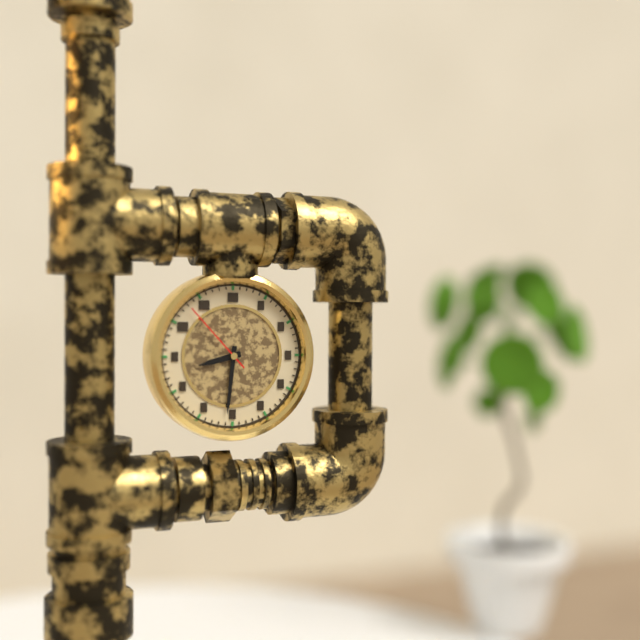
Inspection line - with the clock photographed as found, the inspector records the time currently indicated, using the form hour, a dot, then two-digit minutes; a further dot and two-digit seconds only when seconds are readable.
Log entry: 8.31.53
